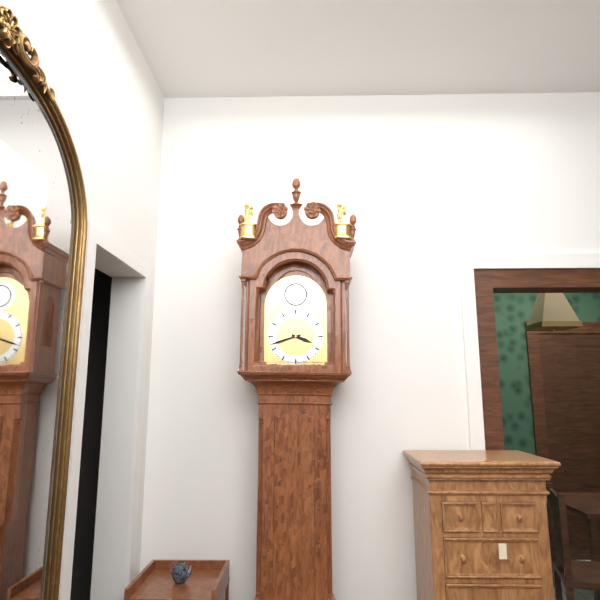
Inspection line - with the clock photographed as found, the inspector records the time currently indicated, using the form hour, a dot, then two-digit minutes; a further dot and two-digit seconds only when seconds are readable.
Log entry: 3.42
